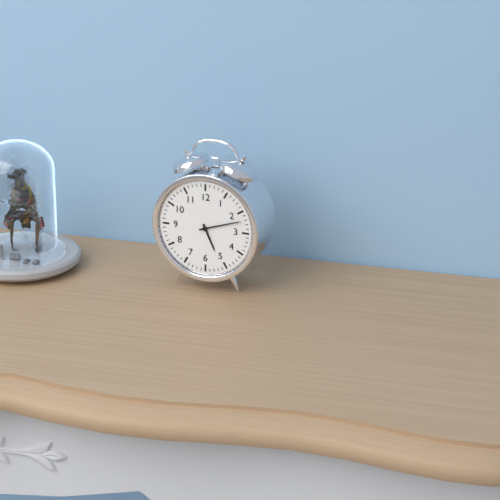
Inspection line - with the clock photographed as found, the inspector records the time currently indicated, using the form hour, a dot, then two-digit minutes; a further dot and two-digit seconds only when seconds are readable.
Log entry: 5.12
